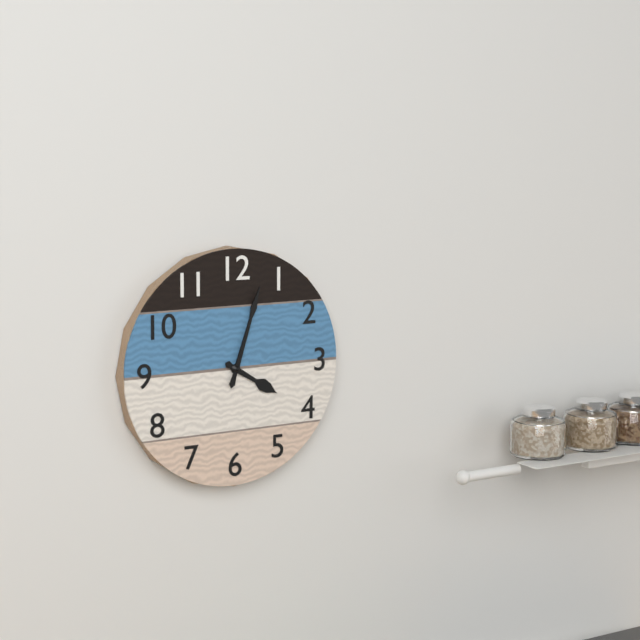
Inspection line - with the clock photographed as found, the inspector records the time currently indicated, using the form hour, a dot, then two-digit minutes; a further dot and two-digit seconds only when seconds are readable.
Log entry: 4.03
